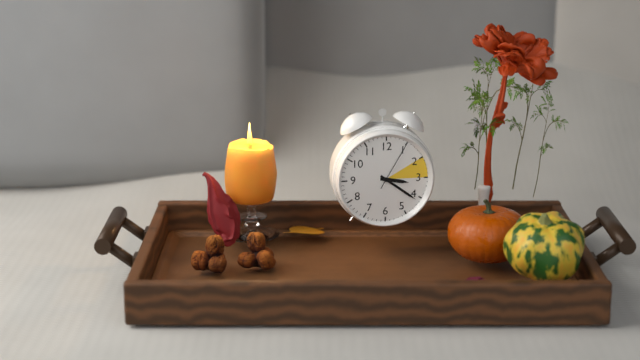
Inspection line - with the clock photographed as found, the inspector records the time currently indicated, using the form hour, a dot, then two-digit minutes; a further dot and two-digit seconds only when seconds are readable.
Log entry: 3.21.05
